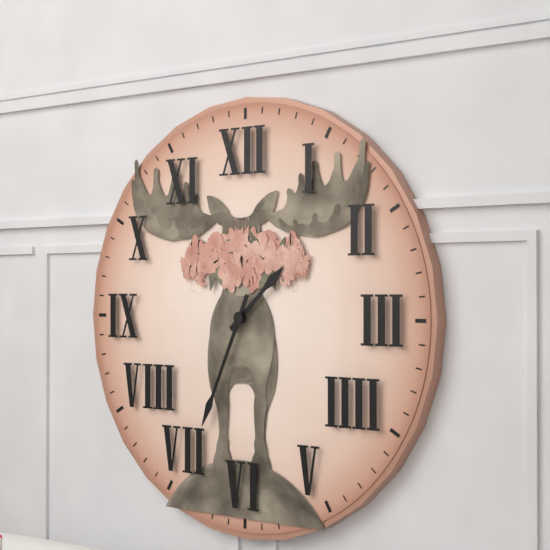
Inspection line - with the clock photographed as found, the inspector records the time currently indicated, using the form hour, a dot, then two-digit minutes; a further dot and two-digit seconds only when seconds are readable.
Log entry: 1.34
